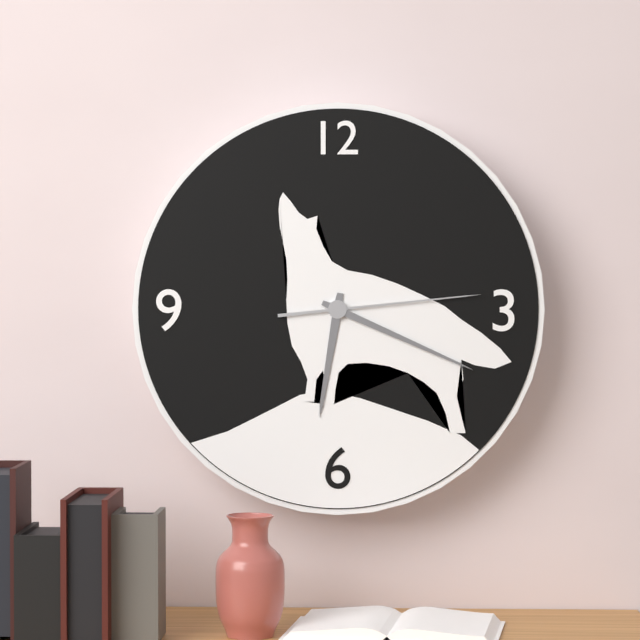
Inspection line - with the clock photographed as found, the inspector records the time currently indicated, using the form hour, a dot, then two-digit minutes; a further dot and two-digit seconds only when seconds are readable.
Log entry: 6.19.14
